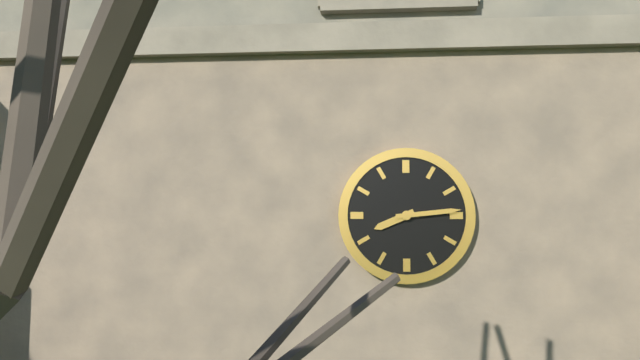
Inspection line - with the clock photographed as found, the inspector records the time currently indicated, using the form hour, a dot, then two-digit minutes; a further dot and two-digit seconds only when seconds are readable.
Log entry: 8.14
